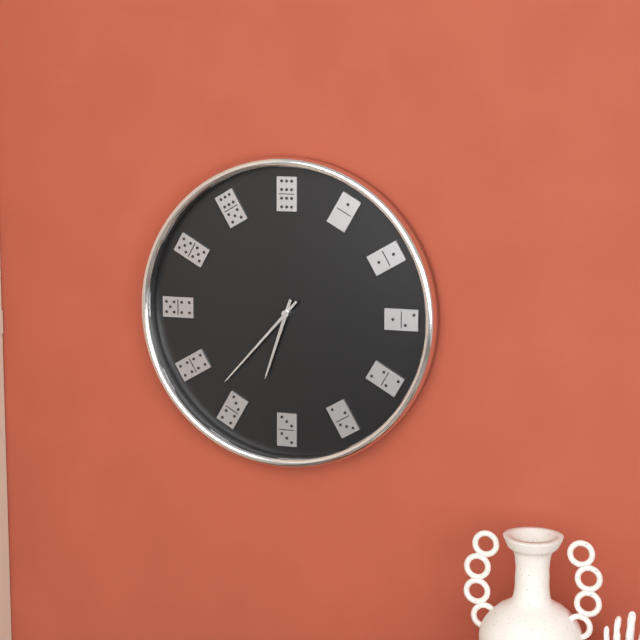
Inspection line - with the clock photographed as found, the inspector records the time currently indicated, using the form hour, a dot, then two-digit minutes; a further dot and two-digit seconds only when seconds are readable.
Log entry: 6.37
